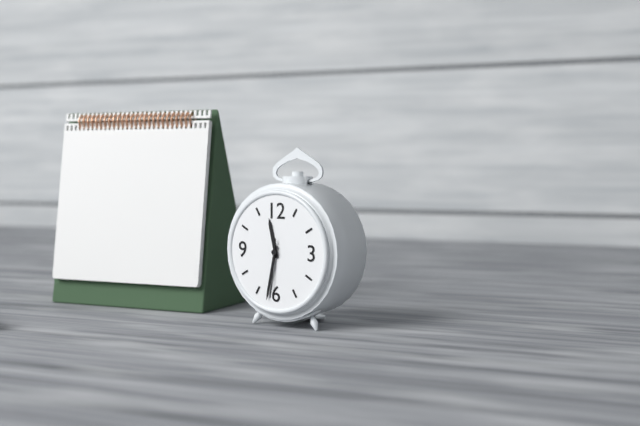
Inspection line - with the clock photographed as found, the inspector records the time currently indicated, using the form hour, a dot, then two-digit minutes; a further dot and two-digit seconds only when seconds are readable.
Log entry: 11.32.31
